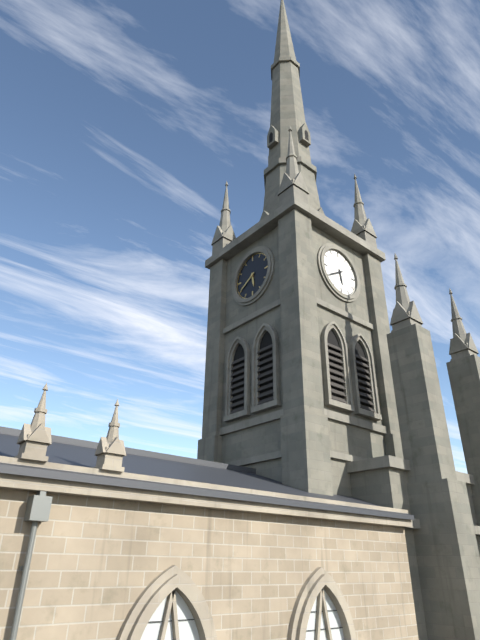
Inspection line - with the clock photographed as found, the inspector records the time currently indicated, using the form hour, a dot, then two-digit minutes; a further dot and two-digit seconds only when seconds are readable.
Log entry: 5.40
